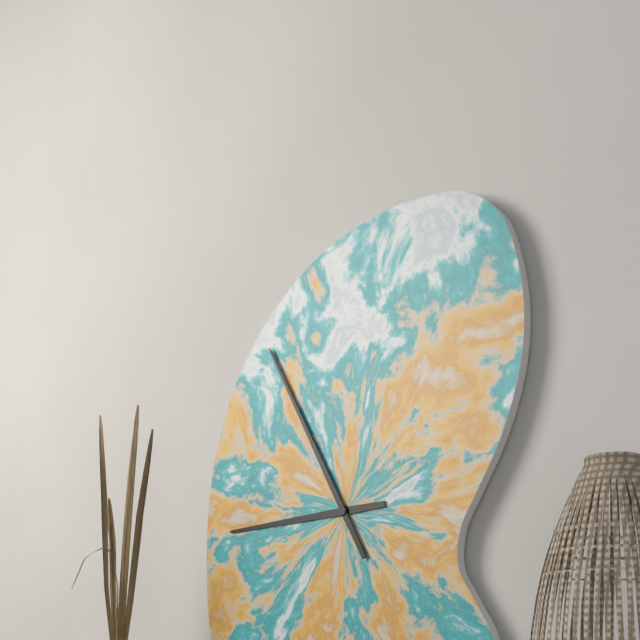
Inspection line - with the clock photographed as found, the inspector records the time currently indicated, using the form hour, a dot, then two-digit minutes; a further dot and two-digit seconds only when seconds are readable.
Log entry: 8.55
